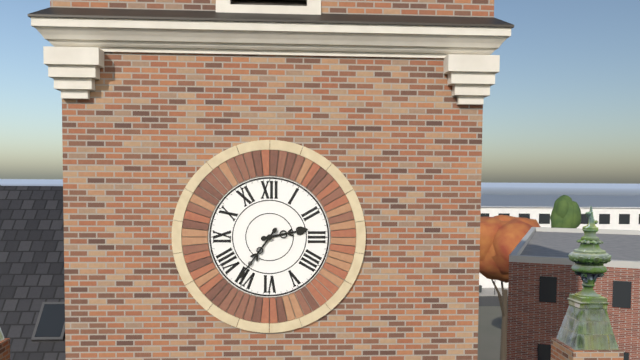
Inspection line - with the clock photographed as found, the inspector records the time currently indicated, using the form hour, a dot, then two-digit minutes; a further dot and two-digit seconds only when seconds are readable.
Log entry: 2.36
